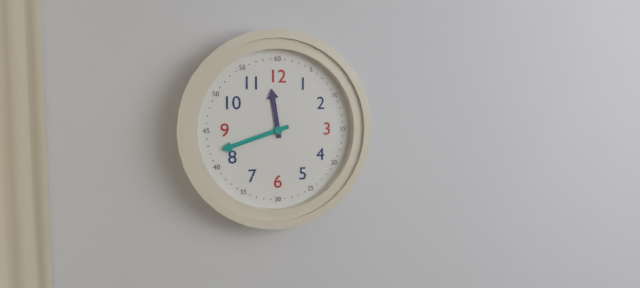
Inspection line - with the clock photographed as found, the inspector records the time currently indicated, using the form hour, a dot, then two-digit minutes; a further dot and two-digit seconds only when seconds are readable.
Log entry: 11.42
